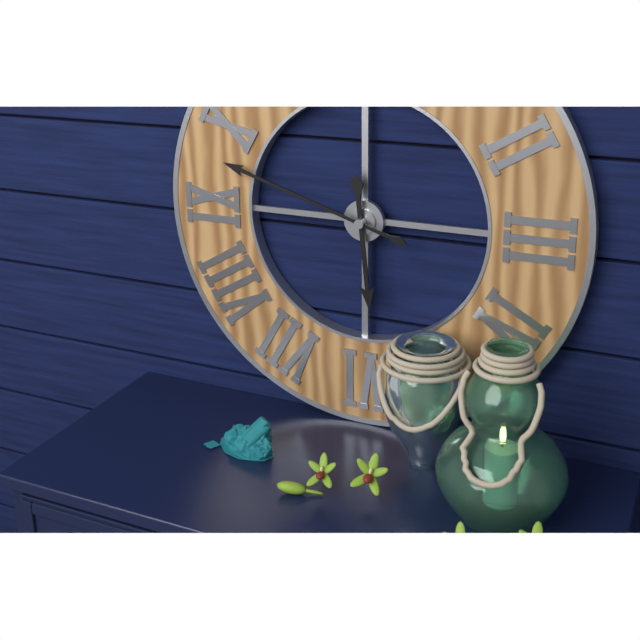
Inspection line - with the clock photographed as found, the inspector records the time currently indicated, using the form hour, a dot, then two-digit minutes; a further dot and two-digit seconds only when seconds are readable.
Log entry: 5.48
